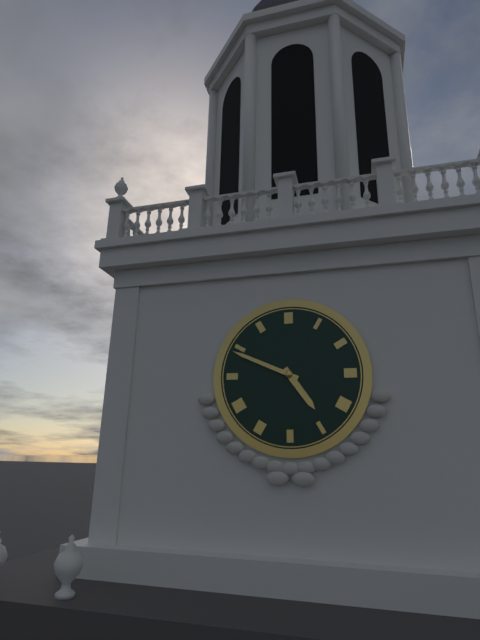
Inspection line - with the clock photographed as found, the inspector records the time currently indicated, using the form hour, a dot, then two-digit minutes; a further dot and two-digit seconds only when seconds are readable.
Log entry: 4.49
